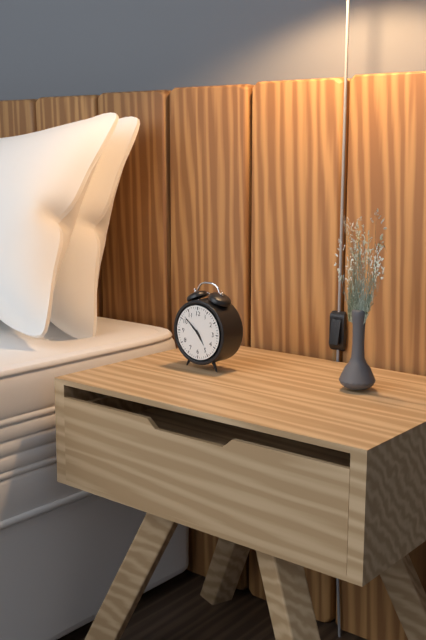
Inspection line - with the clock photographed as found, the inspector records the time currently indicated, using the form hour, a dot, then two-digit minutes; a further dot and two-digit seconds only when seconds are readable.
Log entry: 4.52
